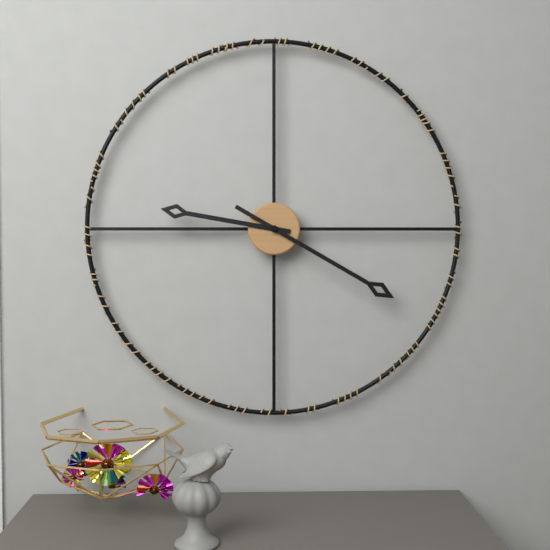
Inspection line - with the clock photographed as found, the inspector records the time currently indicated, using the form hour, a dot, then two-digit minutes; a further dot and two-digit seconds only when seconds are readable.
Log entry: 9.20
